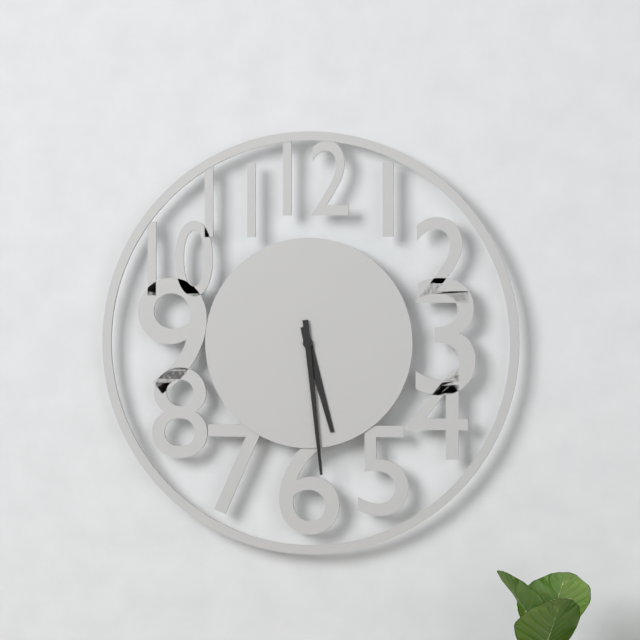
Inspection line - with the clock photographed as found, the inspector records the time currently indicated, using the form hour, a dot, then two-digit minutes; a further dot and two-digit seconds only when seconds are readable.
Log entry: 5.29
